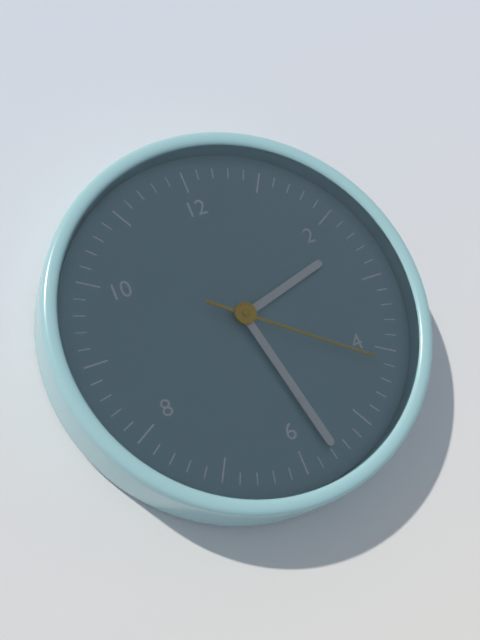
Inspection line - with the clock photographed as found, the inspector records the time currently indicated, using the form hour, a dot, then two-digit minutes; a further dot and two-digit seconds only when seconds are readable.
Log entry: 2.28.21
